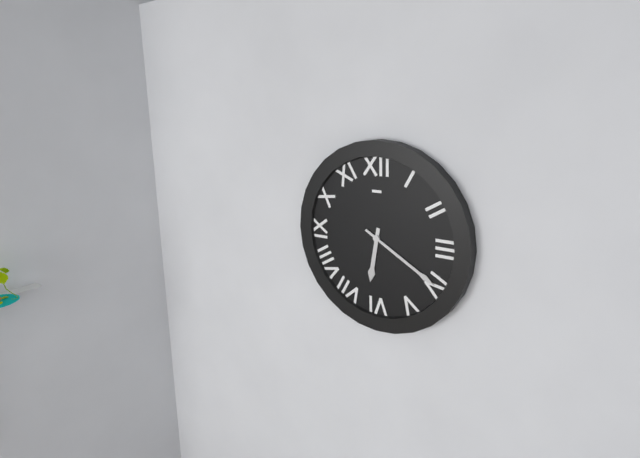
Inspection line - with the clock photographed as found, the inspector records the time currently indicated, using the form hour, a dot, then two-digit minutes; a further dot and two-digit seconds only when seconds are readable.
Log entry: 6.20
